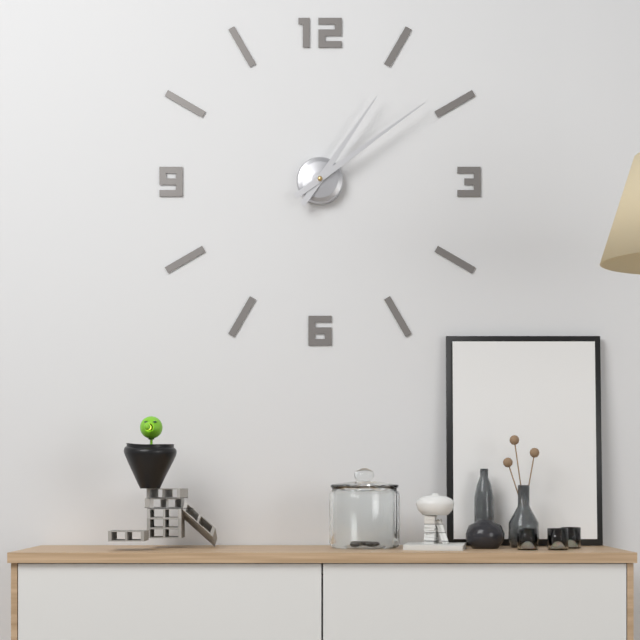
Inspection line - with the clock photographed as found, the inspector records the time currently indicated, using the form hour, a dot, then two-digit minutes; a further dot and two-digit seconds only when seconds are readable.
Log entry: 1.09
